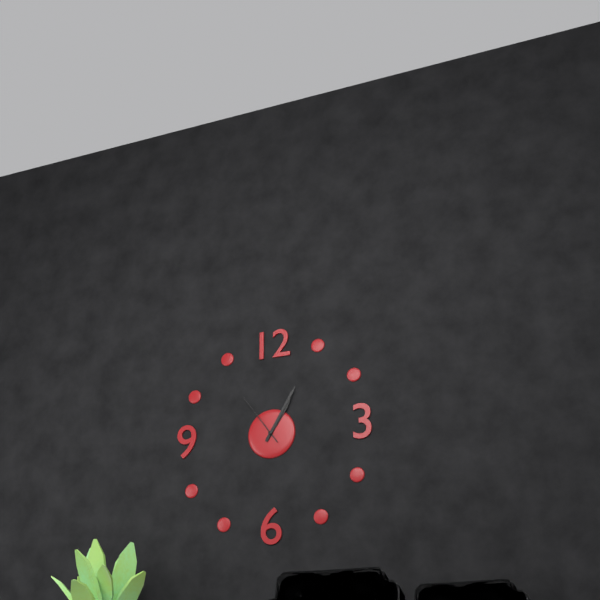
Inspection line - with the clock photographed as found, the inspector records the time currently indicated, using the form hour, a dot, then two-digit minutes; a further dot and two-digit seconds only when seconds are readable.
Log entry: 1.05.54
